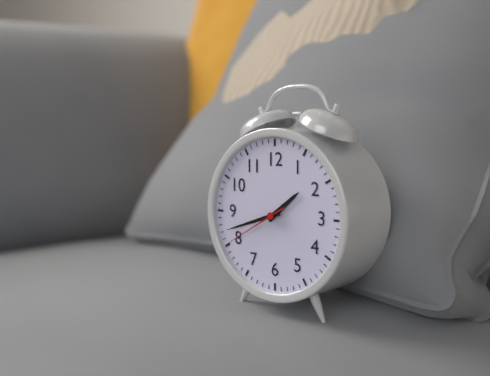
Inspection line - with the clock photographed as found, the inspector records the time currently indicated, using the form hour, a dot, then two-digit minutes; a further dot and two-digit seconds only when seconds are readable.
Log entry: 1.42.40
